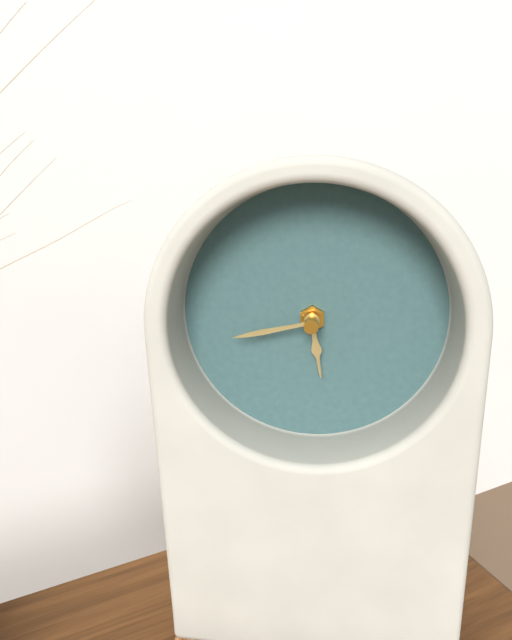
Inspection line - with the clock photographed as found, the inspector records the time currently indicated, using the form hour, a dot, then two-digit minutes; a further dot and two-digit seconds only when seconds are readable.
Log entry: 5.43
